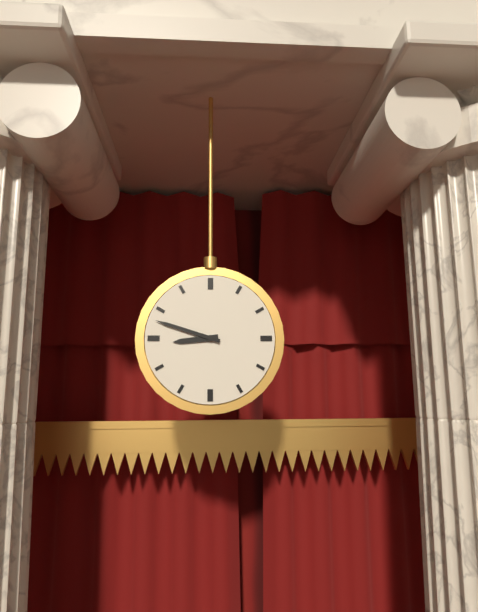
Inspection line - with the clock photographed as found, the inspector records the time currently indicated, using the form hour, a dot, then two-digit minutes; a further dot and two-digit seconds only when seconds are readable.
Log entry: 8.48
